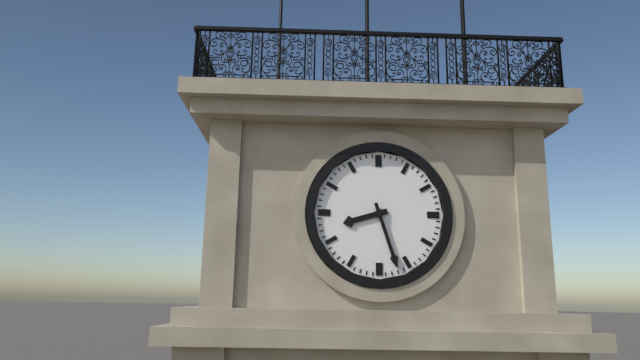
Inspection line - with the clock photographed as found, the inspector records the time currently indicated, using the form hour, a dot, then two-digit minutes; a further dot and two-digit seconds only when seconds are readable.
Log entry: 8.27
